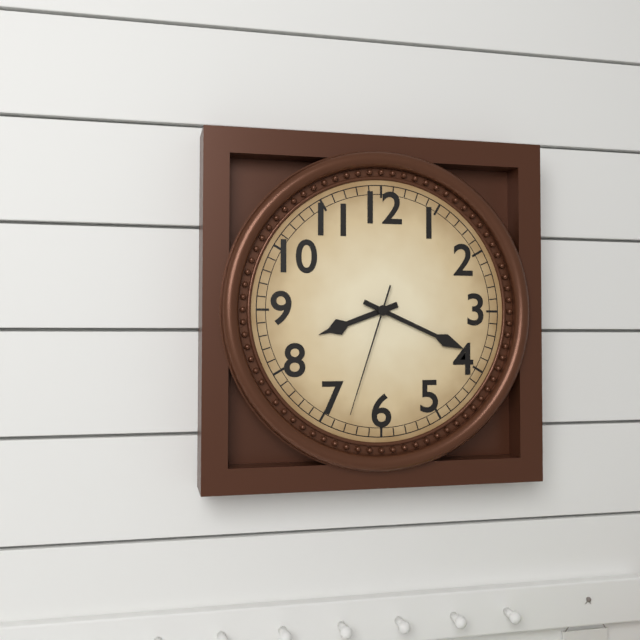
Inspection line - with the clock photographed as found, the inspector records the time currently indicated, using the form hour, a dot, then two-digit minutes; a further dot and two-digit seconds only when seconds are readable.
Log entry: 8.19.33
